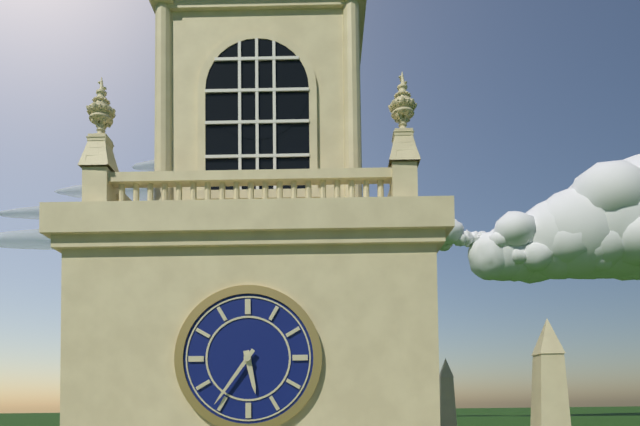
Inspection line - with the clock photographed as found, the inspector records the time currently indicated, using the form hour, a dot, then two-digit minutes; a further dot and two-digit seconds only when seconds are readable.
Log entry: 5.36
